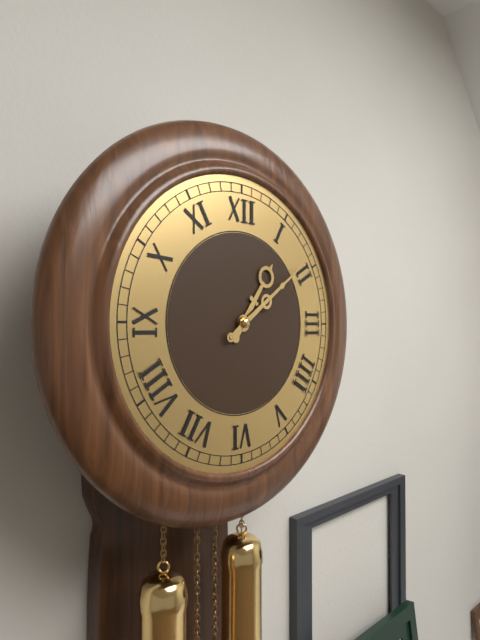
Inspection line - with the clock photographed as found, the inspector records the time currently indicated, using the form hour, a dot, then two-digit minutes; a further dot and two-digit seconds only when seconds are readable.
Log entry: 1.09
